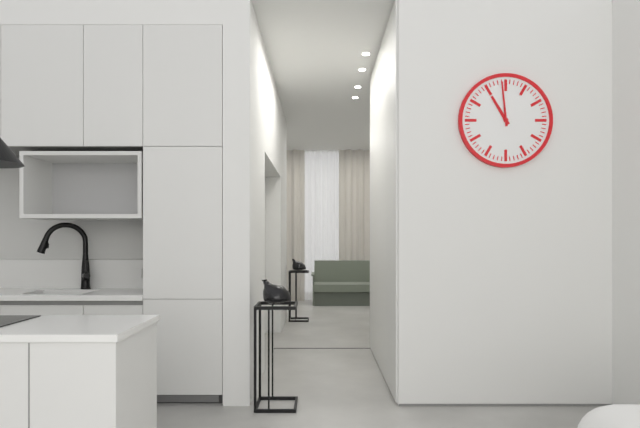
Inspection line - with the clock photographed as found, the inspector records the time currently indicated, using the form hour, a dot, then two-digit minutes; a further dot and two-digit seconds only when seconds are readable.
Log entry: 10.59
